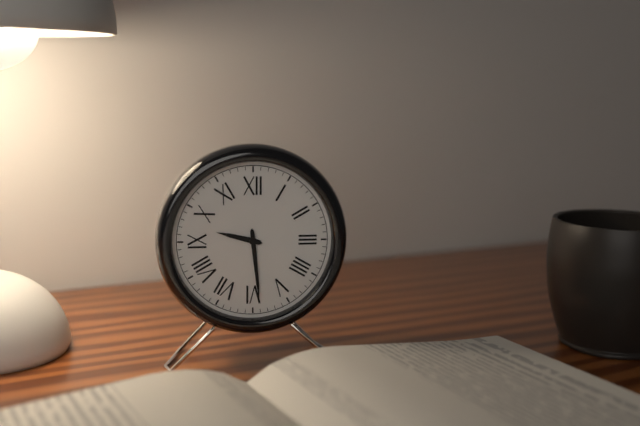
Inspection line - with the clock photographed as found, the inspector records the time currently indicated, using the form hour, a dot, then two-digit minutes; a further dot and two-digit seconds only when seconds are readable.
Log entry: 9.29
